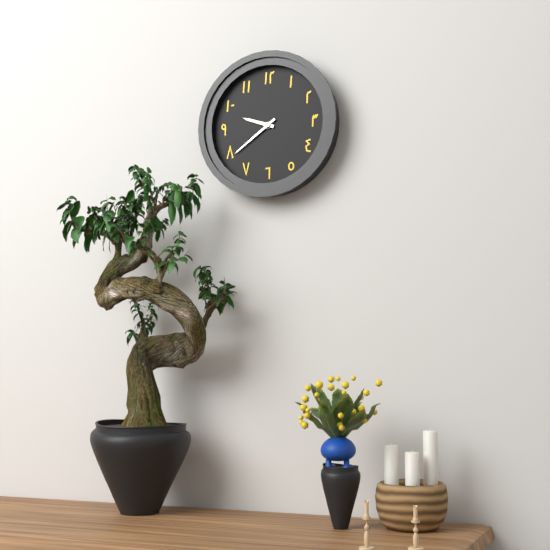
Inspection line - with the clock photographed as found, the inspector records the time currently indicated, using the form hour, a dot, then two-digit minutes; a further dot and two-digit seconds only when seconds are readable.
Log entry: 9.39
